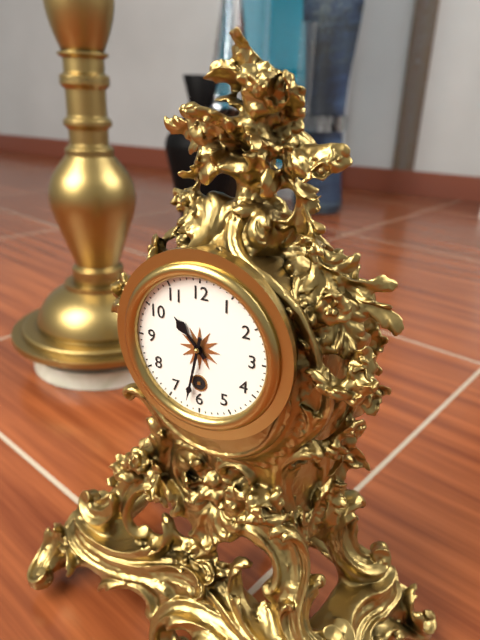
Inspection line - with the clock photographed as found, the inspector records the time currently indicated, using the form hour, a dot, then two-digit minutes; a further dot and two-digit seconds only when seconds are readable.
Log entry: 10.32
